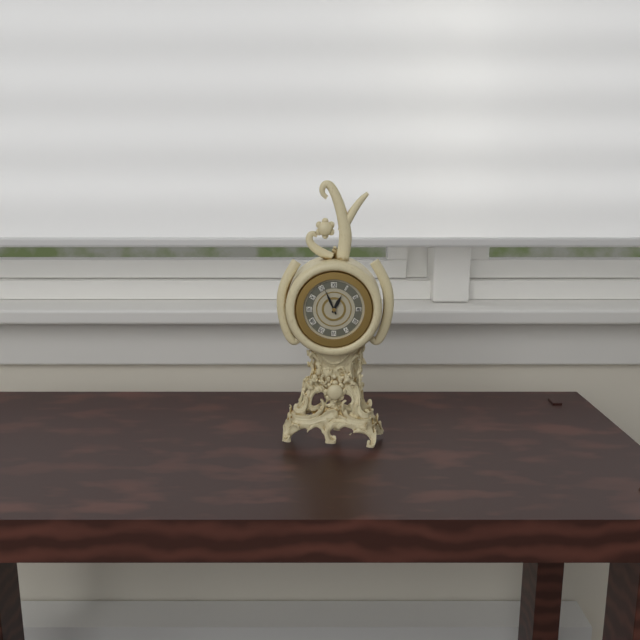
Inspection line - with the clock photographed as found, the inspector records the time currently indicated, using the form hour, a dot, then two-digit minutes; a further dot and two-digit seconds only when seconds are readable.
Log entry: 12.56
